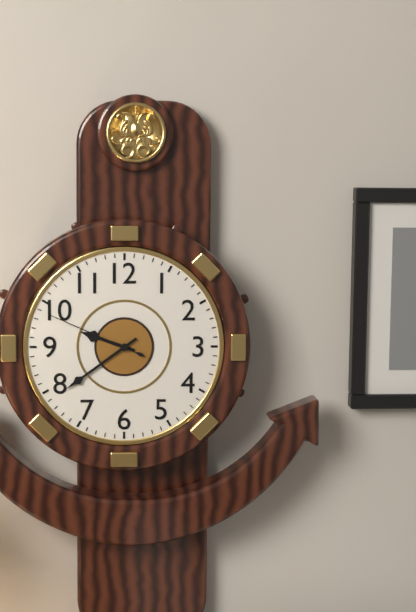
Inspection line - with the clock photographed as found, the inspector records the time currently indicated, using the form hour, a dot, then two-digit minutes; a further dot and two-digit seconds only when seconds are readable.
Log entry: 9.39.49
